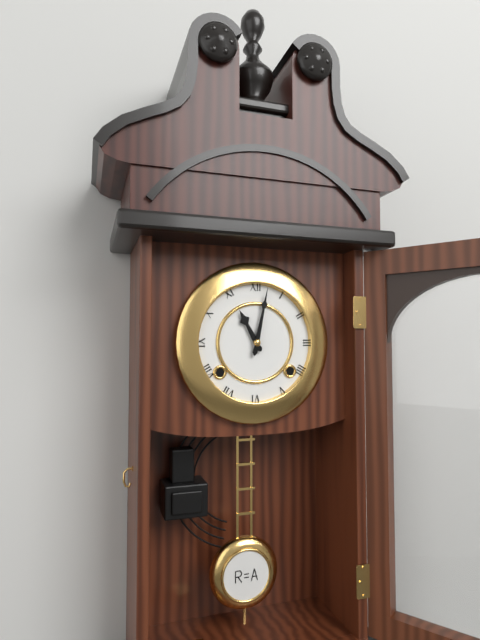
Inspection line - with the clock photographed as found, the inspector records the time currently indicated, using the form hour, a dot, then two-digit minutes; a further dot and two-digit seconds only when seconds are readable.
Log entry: 11.02
